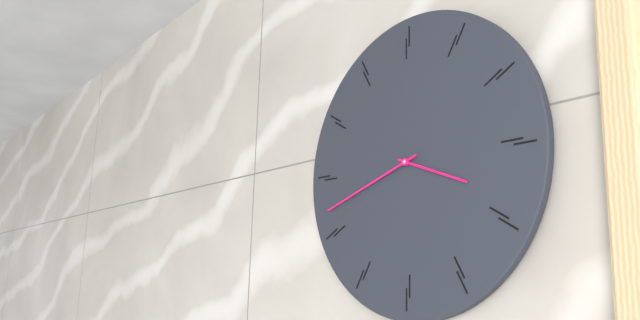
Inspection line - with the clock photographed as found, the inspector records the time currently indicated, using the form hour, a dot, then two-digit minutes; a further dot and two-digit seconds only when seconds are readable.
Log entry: 3.42
